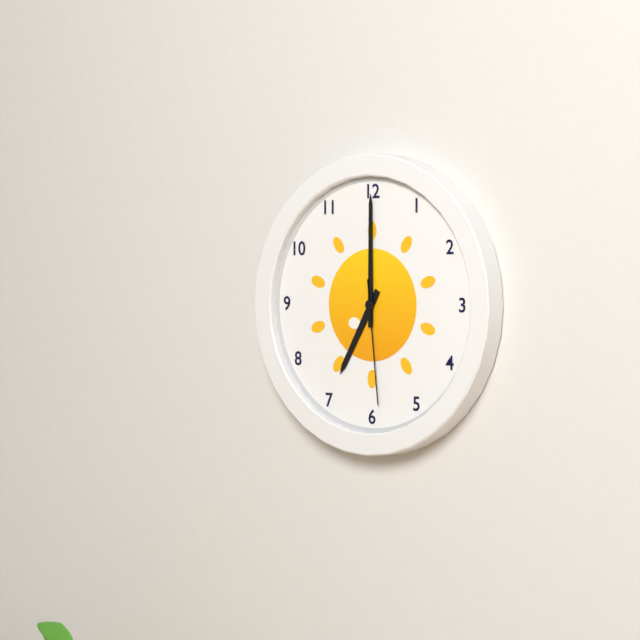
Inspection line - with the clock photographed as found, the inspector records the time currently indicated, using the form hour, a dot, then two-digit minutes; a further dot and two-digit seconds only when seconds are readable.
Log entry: 7.00.29
